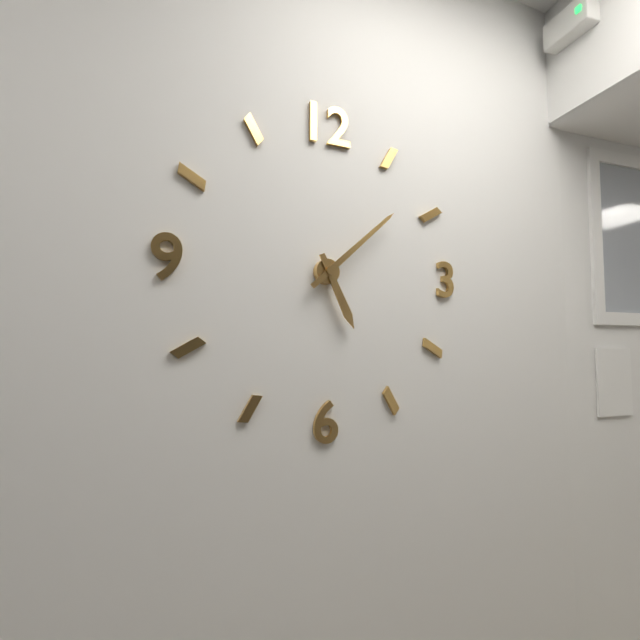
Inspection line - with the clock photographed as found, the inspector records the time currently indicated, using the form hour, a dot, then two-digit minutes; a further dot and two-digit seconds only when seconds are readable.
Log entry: 5.08
